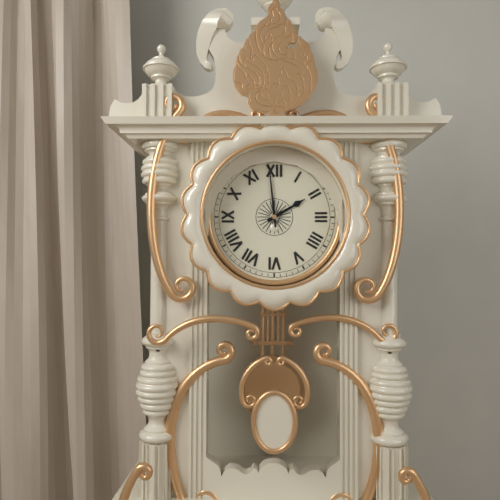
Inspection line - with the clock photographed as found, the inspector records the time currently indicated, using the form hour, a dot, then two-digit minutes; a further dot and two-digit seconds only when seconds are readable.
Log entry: 1.59
